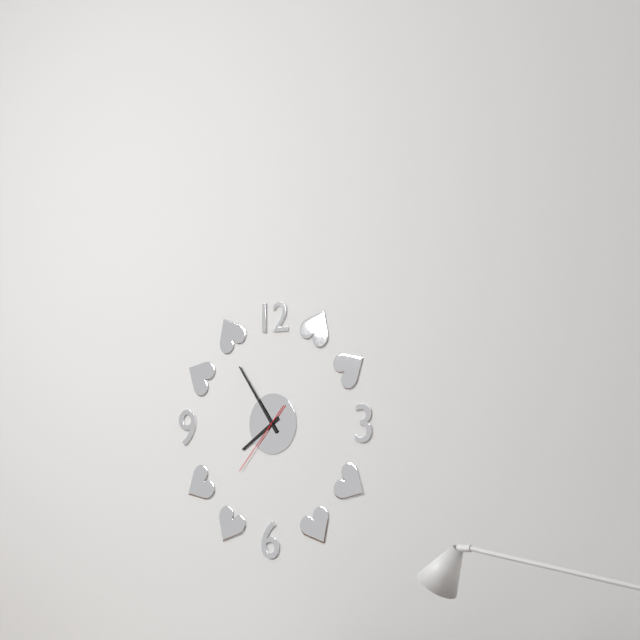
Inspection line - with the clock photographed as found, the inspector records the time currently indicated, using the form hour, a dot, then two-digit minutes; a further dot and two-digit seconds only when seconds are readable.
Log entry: 7.54.37
